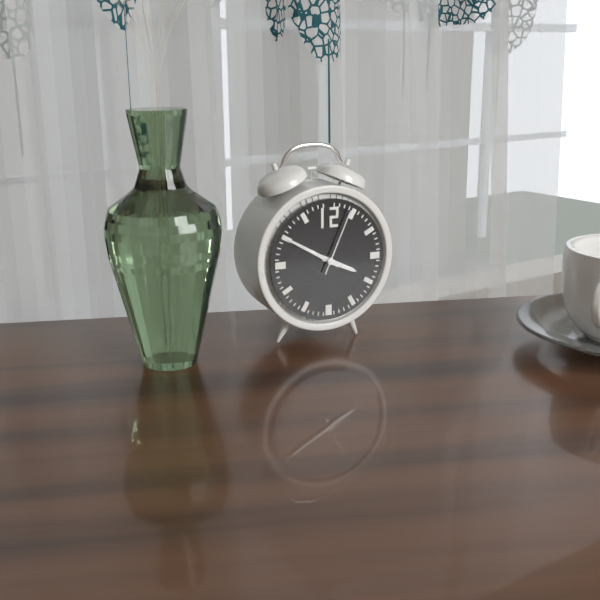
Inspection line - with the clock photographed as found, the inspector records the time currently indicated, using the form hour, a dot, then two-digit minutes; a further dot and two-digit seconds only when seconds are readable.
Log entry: 3.50.04
